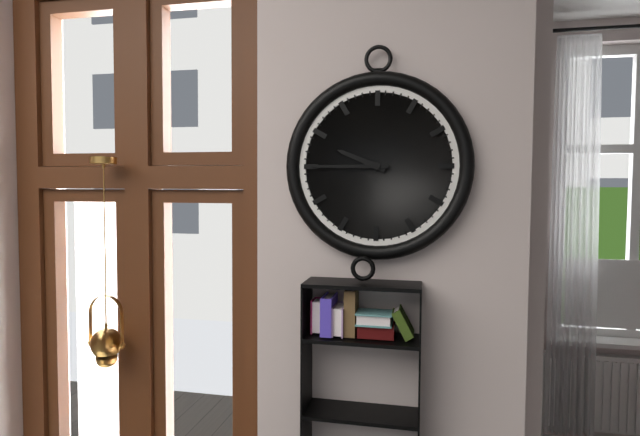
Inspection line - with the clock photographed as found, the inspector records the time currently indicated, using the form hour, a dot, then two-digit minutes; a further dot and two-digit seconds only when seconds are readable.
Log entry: 9.45
